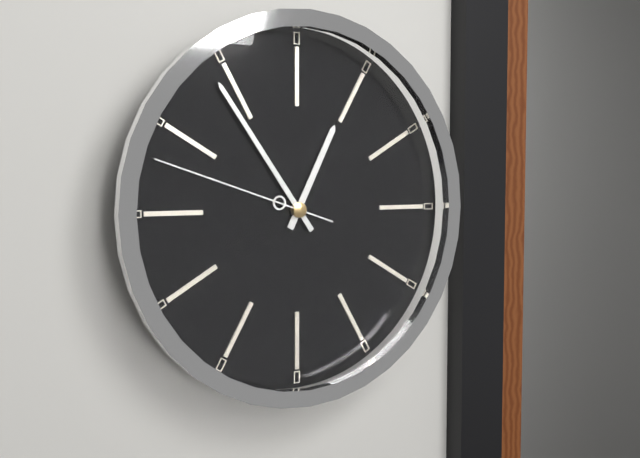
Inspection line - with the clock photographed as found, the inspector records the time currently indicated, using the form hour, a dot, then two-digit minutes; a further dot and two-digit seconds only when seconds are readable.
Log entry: 12.54.48
